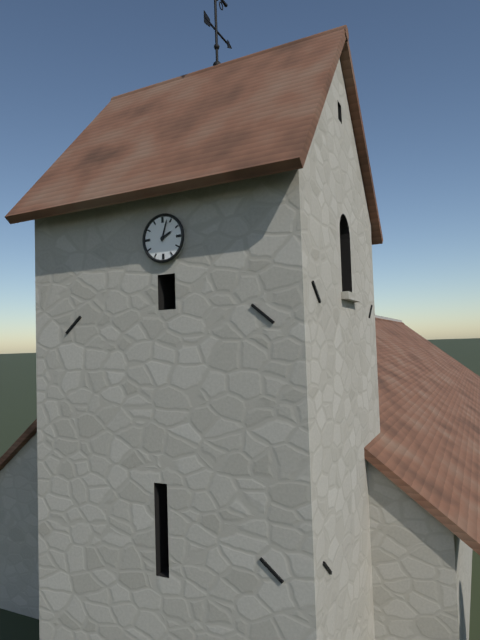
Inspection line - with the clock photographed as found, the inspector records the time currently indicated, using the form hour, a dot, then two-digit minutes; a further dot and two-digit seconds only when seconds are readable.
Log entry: 2.03
